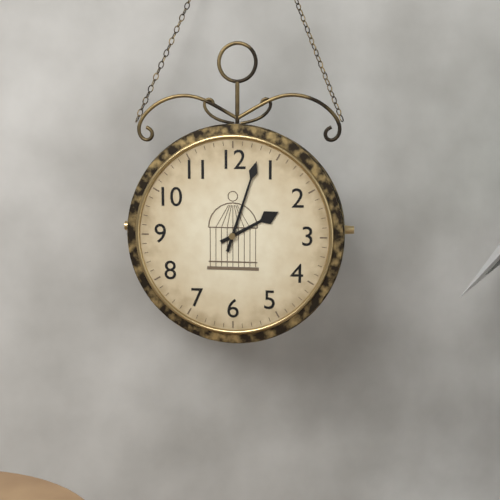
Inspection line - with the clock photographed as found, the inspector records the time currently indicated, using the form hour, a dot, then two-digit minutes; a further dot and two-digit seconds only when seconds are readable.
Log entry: 2.03
